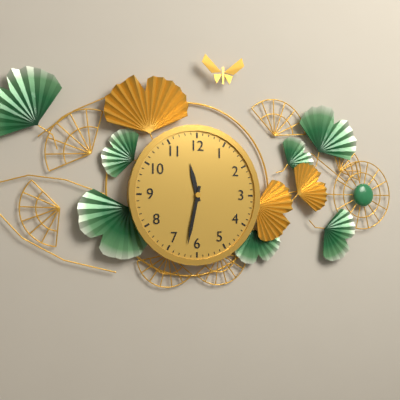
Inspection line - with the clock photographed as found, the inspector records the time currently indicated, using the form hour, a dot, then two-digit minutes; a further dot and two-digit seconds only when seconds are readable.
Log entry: 11.32
